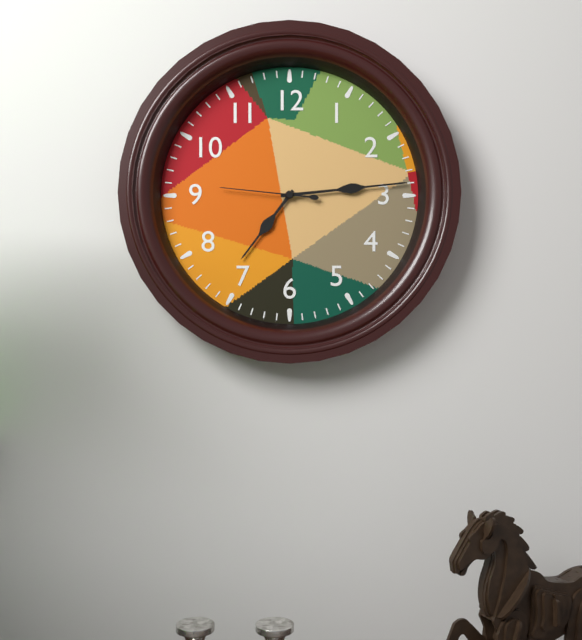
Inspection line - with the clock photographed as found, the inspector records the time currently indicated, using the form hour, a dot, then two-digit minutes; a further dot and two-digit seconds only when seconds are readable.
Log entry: 7.14.46
